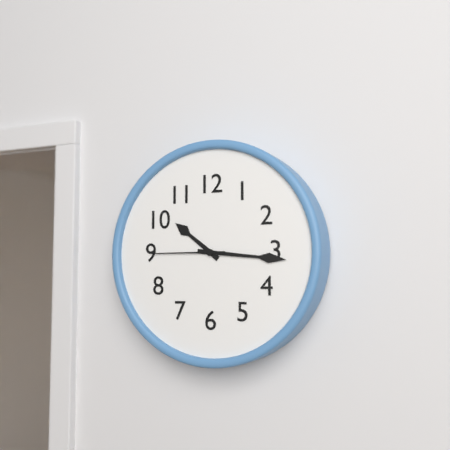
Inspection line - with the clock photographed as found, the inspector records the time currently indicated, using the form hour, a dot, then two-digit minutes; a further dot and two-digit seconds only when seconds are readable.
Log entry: 10.16.45
